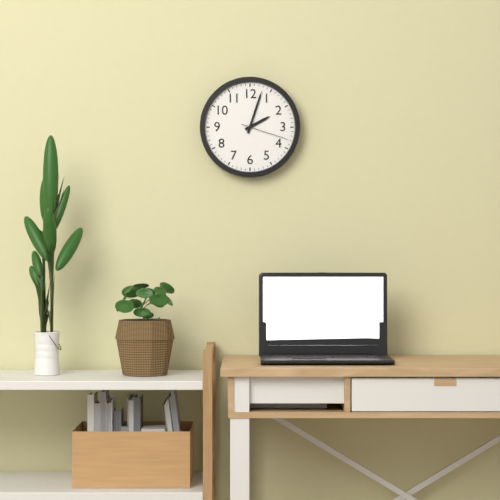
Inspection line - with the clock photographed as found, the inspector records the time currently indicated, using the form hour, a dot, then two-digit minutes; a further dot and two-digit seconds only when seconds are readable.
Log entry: 2.03
